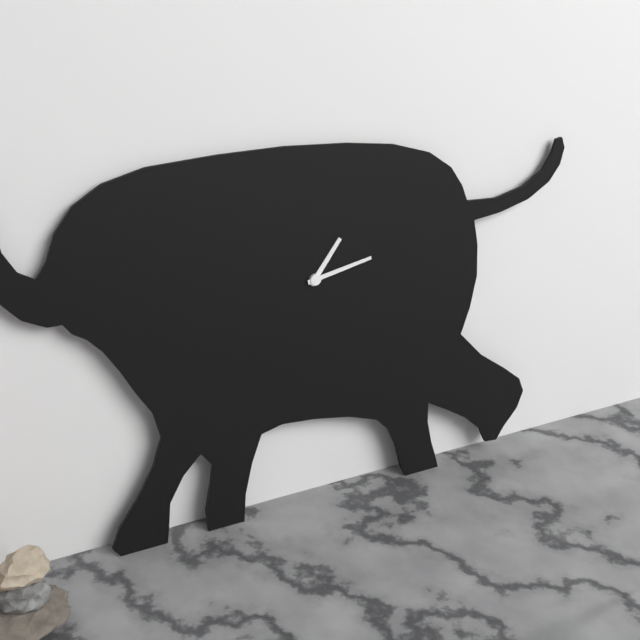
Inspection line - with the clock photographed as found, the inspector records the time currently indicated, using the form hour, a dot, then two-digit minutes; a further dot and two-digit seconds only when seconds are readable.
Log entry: 1.13
